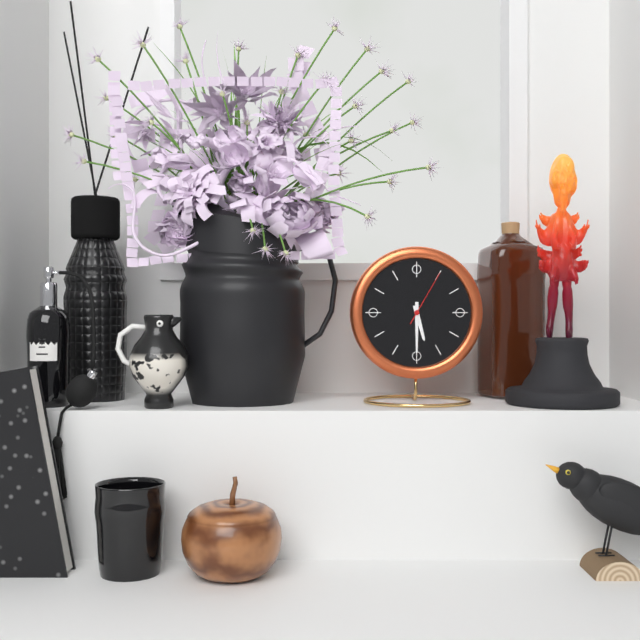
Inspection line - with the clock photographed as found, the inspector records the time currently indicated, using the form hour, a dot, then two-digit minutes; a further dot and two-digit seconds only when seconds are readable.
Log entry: 5.30.05
